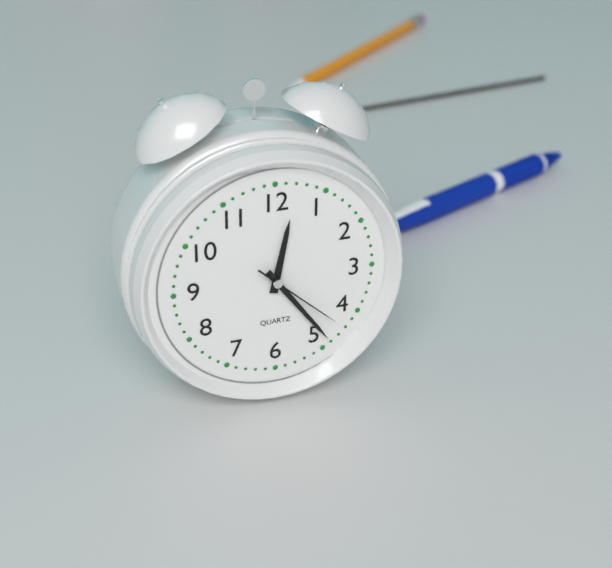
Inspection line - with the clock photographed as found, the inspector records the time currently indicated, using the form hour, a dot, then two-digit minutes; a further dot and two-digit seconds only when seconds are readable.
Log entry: 12.24.22
